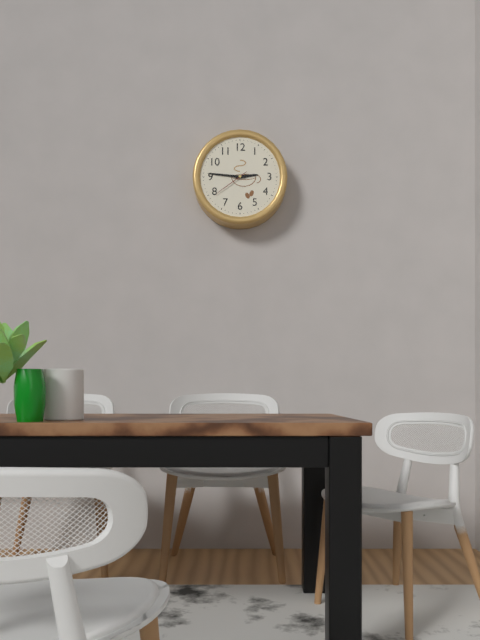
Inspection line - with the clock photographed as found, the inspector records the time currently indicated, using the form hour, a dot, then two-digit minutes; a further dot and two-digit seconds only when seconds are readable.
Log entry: 2.46
